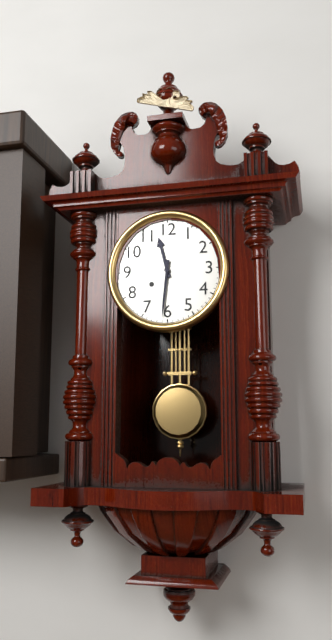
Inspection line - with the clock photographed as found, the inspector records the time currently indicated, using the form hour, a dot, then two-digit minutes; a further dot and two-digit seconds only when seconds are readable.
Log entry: 11.31
